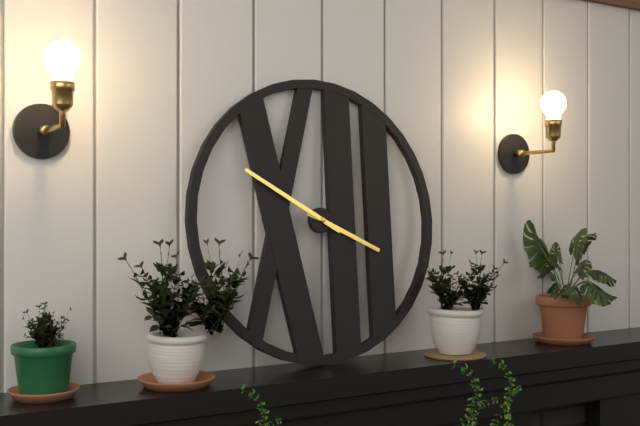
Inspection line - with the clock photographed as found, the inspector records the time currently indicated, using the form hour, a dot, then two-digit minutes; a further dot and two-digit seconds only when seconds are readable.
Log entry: 3.50
